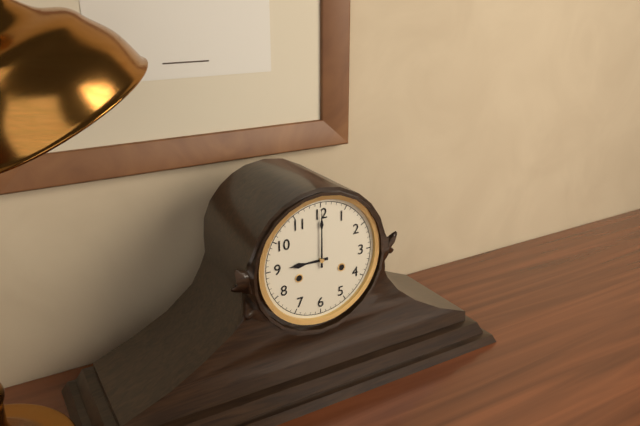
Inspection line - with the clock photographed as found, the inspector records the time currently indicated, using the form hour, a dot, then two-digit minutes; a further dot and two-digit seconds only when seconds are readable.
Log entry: 9.00
